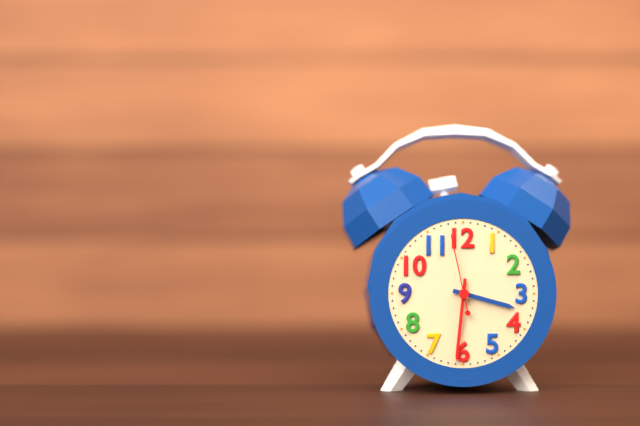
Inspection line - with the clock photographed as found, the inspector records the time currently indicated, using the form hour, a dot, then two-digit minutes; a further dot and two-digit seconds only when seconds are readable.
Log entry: 3.31.58
